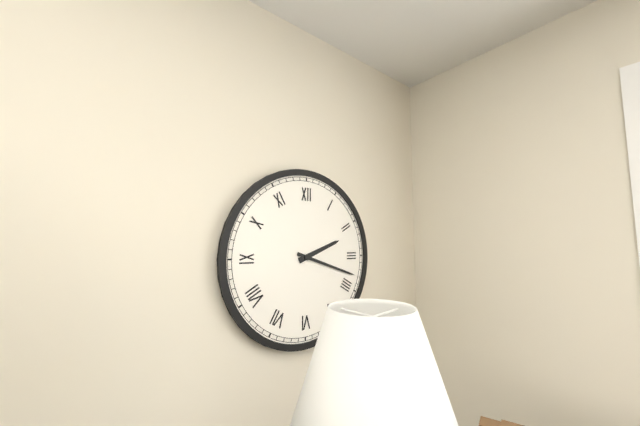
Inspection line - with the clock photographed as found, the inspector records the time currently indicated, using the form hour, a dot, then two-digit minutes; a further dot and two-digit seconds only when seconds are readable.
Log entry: 2.18
